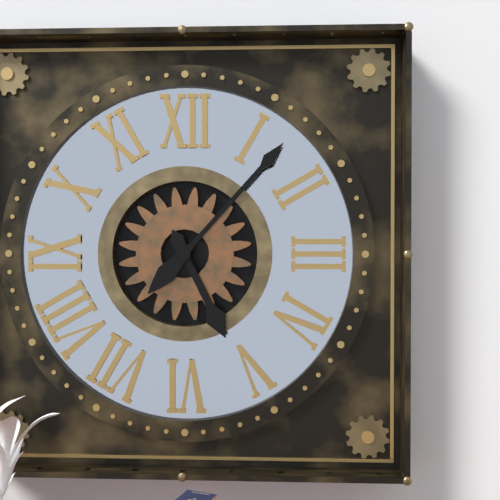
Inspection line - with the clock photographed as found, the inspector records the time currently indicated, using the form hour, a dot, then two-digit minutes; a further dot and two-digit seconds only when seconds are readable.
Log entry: 5.07
